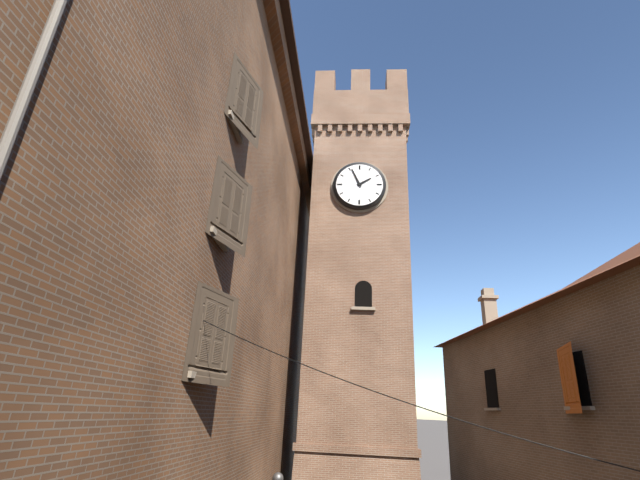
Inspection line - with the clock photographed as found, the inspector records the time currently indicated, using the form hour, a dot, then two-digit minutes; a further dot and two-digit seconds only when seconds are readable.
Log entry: 1.56
